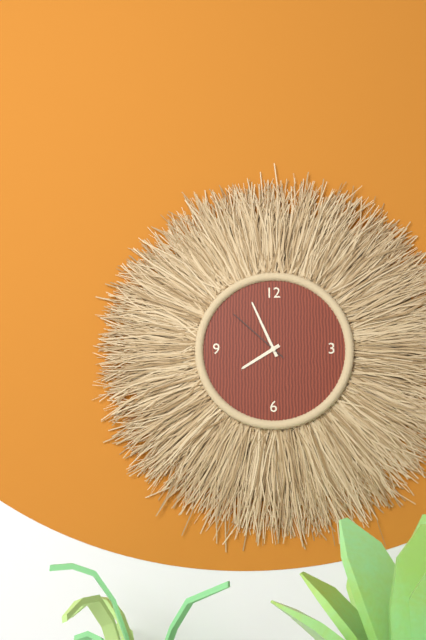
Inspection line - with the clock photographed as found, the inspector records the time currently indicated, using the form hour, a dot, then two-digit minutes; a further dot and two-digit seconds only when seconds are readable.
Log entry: 7.56.52
